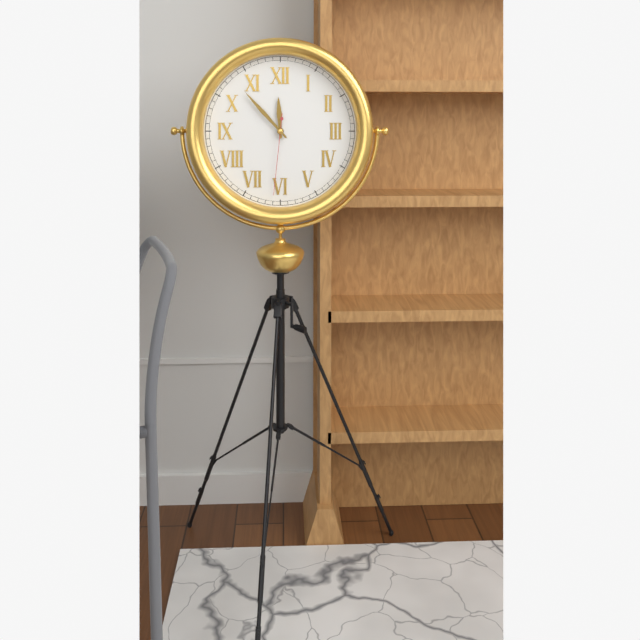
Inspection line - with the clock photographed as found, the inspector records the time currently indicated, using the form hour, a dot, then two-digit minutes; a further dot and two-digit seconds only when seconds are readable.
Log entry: 11.53.31
